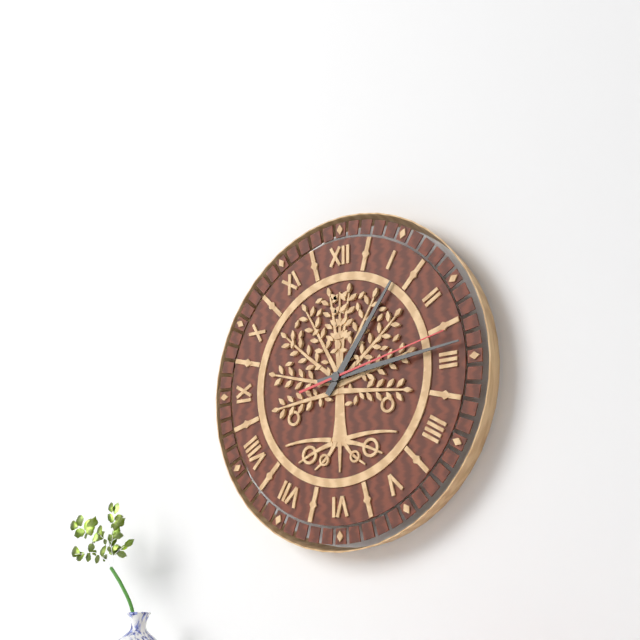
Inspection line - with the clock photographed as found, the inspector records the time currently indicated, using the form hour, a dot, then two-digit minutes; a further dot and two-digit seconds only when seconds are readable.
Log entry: 1.14.13
